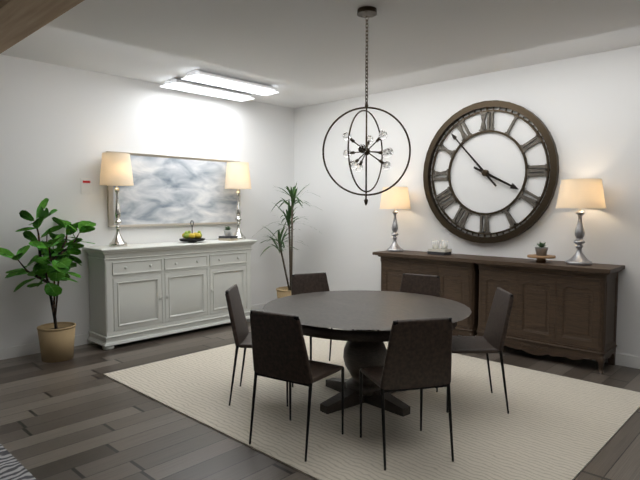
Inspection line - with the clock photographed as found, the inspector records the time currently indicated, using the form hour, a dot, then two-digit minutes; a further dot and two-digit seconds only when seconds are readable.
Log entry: 3.53
